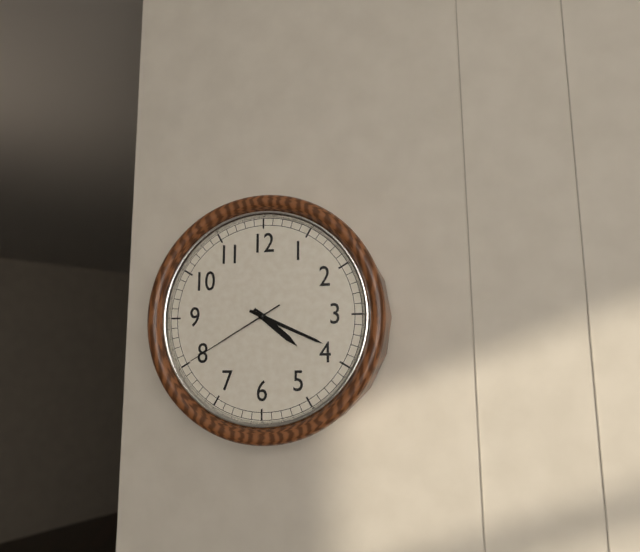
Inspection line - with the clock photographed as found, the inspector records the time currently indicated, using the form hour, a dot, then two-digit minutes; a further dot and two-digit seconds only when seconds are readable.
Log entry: 4.19.40
